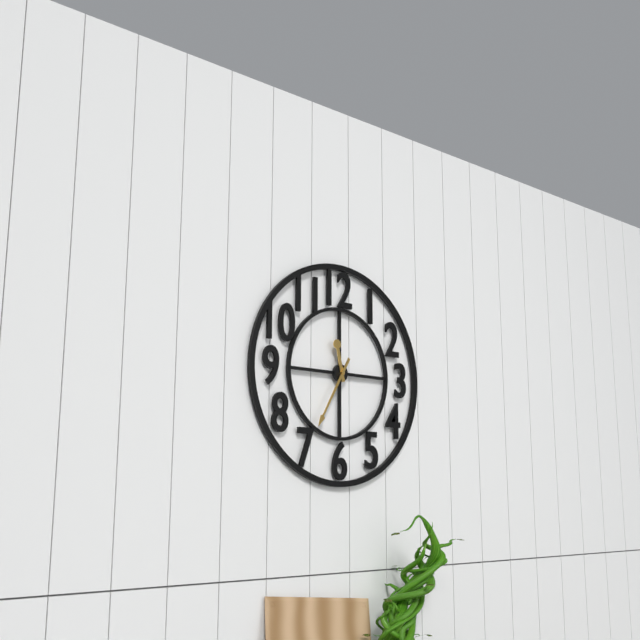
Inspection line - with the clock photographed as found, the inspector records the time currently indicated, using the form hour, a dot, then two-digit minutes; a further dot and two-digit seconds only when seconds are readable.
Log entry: 11.35
